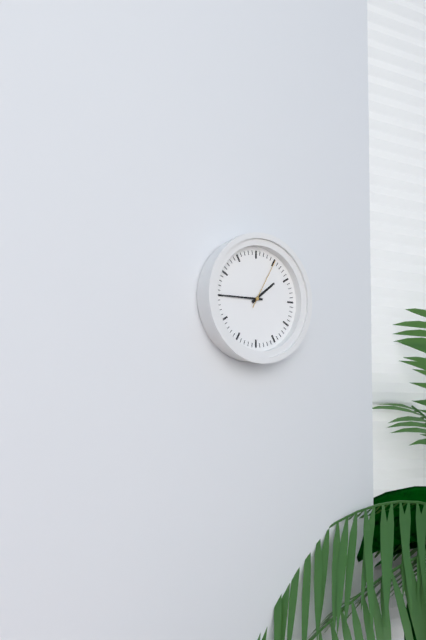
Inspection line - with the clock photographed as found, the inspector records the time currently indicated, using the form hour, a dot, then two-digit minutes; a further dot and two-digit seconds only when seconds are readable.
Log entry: 1.45.05
